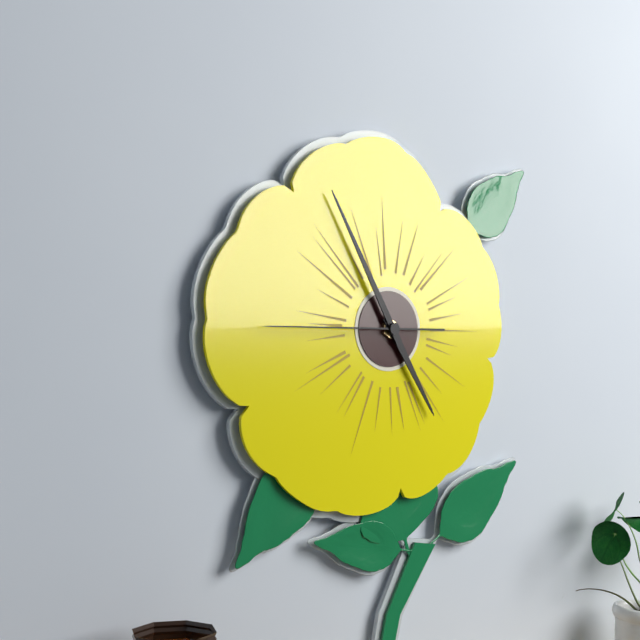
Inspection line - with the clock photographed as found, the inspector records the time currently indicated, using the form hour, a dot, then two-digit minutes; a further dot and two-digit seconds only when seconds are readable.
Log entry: 4.55.45
